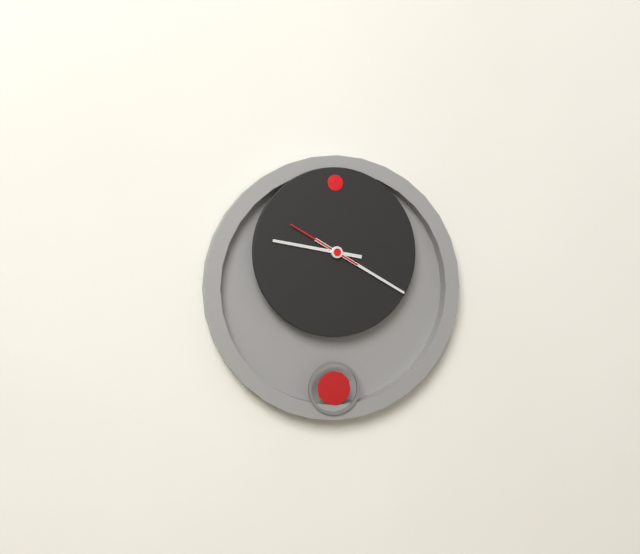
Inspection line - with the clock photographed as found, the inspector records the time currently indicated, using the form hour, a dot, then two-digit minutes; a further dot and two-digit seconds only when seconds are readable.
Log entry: 9.20.50
